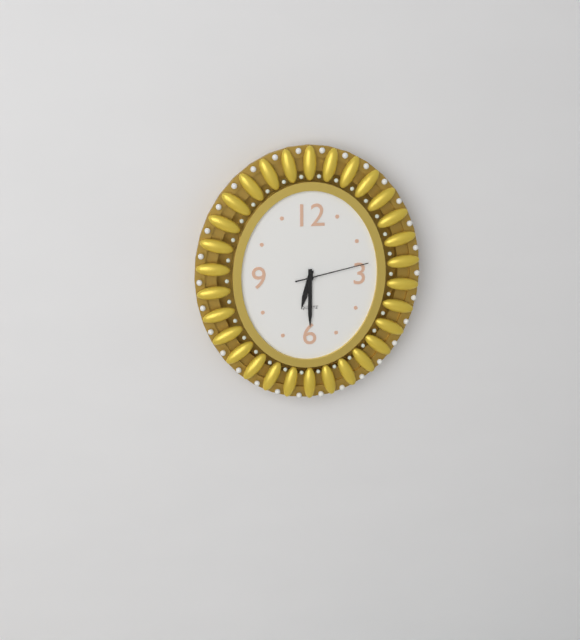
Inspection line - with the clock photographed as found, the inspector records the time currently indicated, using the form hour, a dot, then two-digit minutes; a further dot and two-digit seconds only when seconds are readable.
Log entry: 6.30.13
